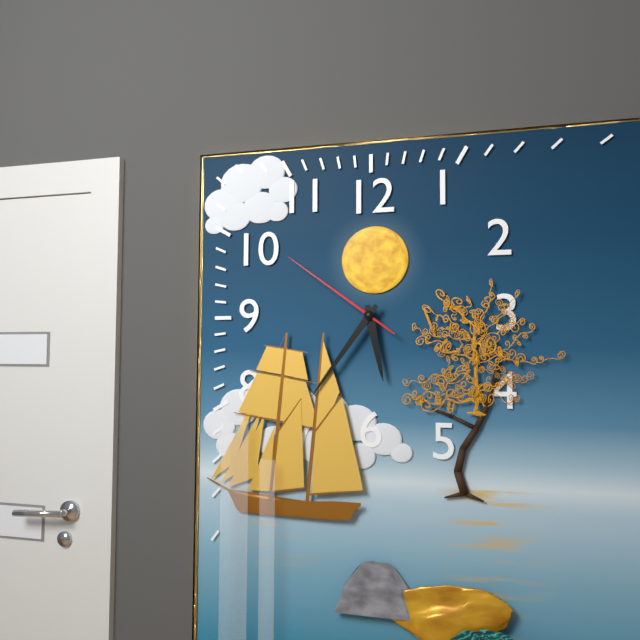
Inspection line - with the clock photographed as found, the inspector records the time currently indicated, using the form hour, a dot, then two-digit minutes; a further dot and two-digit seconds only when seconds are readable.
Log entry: 5.36.51
